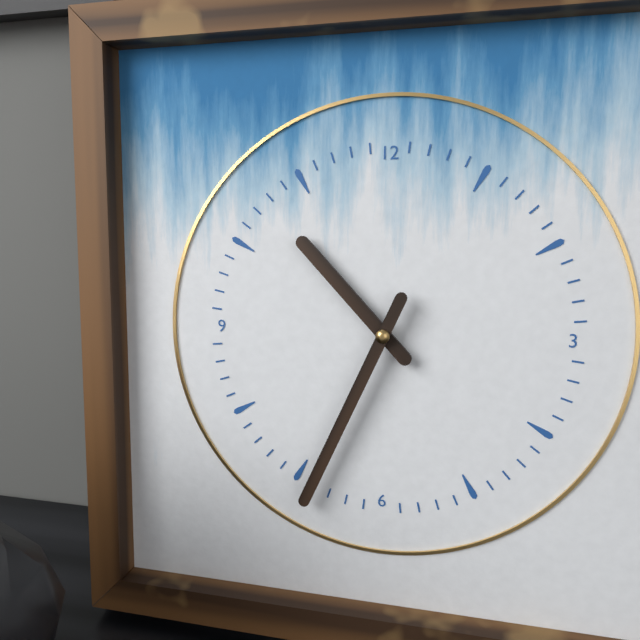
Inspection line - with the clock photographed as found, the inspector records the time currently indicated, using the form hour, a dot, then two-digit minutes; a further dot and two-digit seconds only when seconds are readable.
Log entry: 10.34
